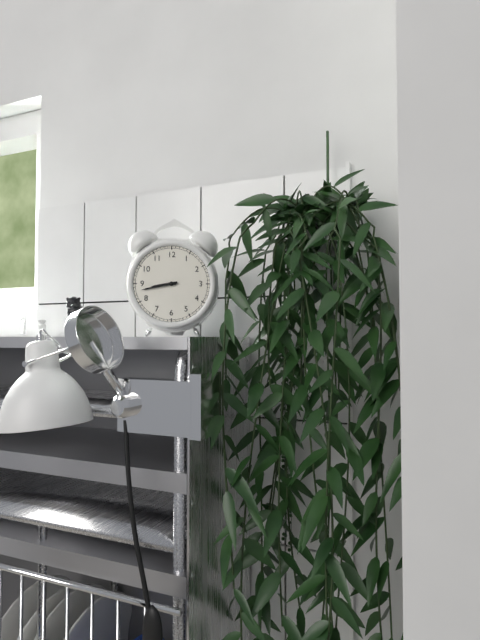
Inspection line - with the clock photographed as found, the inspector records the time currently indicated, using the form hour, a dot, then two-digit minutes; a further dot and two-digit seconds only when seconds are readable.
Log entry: 8.43
